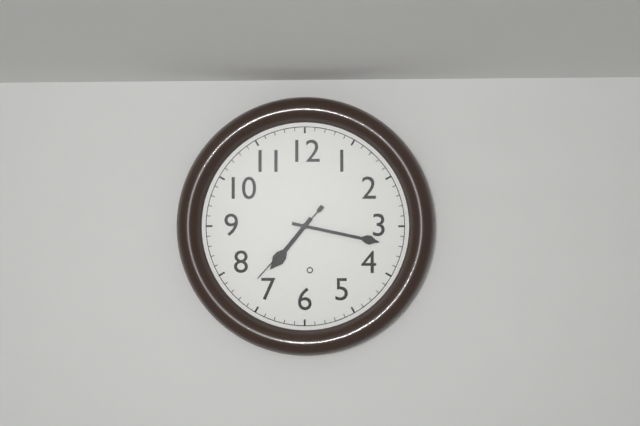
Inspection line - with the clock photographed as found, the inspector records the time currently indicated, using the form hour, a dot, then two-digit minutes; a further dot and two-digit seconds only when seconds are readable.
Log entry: 7.17.37
